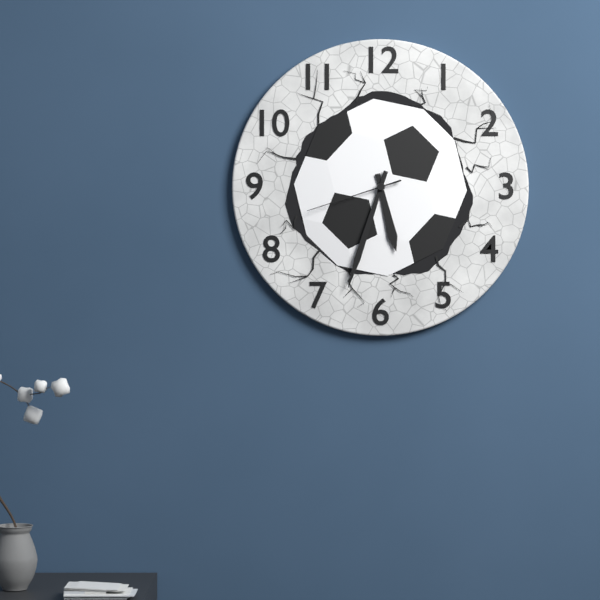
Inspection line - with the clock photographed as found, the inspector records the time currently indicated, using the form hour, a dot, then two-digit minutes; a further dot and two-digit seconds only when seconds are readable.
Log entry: 5.33.42
